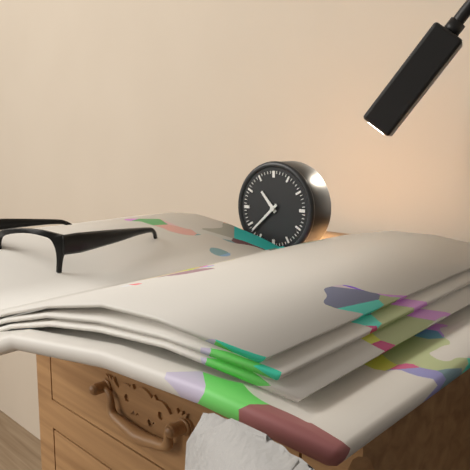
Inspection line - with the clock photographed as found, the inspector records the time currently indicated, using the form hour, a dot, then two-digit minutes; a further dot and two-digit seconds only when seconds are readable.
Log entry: 10.38
